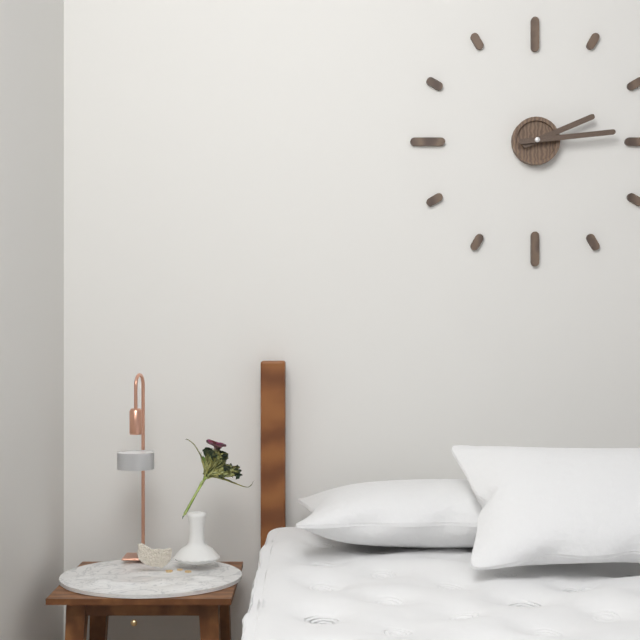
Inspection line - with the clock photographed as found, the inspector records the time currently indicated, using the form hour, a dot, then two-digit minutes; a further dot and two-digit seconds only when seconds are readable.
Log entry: 2.14
